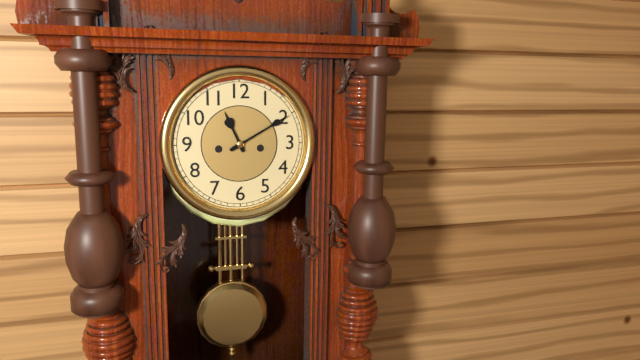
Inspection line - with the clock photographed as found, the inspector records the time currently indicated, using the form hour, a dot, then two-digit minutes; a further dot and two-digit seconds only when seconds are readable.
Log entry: 11.10
